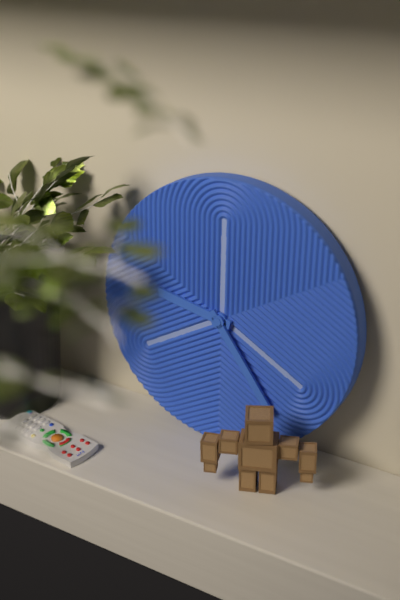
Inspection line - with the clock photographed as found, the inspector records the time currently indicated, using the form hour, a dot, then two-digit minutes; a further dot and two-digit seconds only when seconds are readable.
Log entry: 9.24
